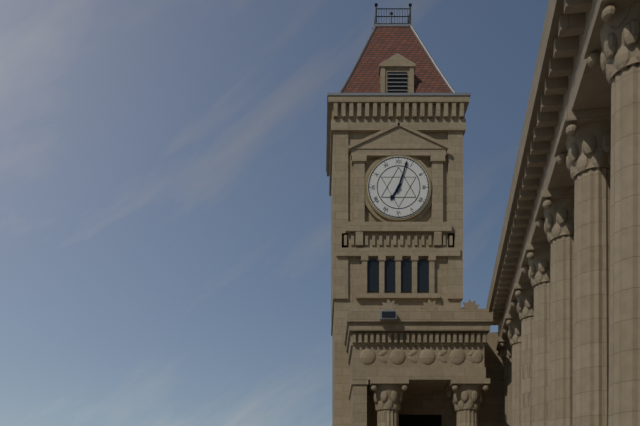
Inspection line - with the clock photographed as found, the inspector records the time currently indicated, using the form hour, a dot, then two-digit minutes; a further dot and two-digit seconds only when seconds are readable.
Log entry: 7.03
